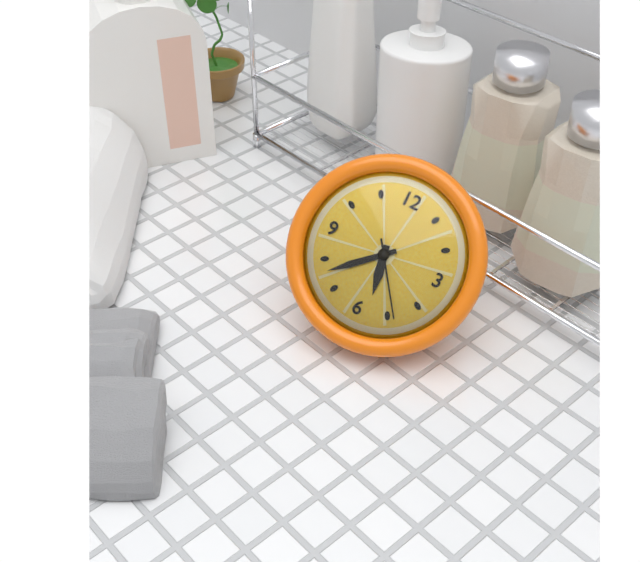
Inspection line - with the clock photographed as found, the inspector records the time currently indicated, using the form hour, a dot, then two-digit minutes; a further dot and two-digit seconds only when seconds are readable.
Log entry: 5.38.24
